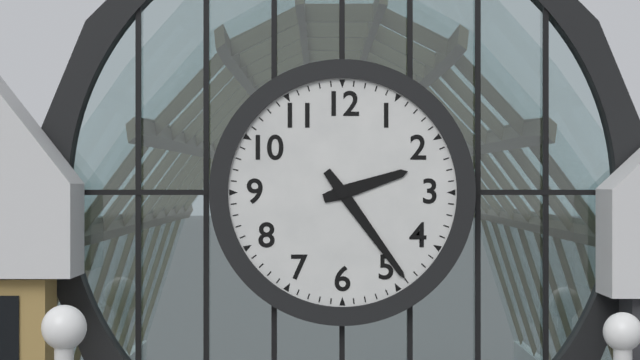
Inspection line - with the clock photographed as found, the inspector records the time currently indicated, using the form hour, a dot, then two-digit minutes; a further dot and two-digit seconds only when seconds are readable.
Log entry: 2.24
